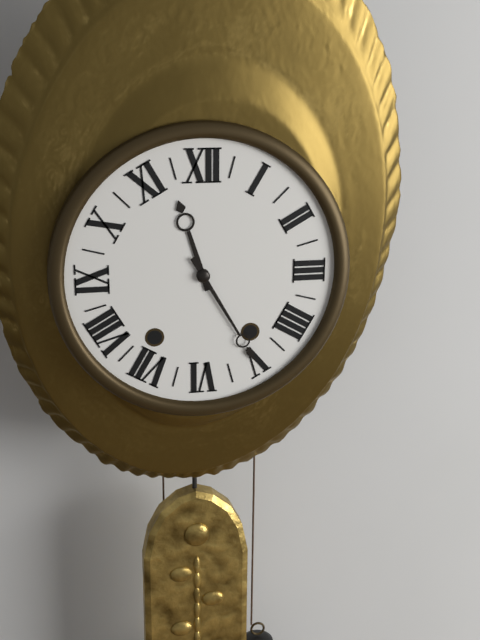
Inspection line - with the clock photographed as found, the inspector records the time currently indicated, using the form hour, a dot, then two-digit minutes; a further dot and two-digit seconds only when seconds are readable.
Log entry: 11.25
